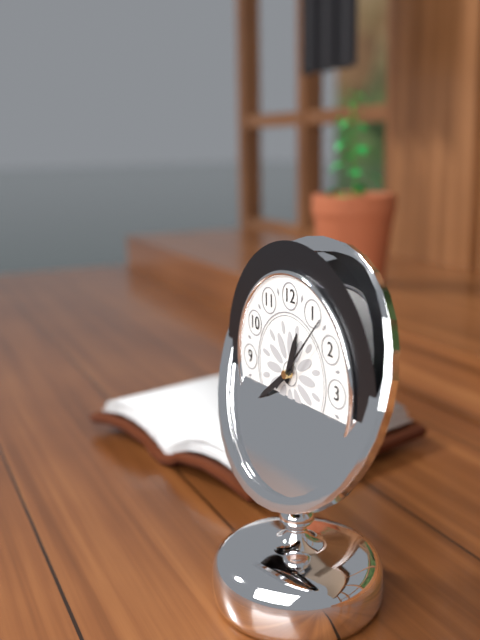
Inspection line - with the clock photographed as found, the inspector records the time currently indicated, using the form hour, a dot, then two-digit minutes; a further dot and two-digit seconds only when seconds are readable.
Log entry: 12.39.07
